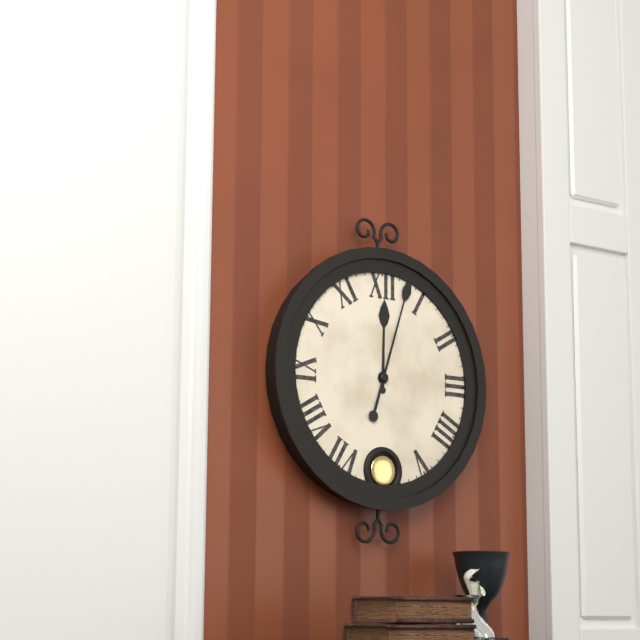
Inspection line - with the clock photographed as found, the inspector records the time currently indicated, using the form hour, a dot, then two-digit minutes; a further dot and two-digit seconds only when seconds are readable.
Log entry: 12.03
